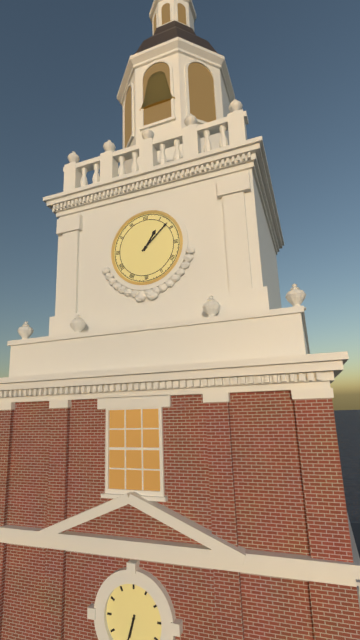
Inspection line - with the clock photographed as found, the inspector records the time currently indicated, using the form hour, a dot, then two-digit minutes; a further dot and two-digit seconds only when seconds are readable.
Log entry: 1.08
